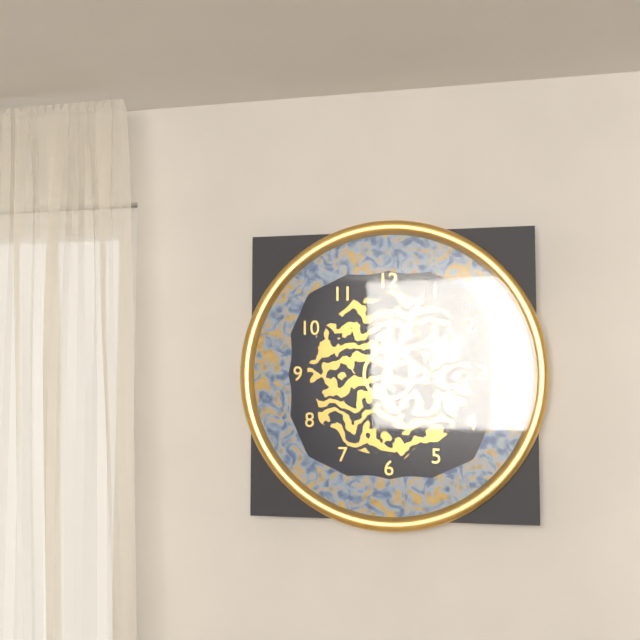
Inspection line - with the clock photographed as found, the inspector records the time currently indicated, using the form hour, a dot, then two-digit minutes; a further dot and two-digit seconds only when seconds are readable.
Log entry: 12.04
